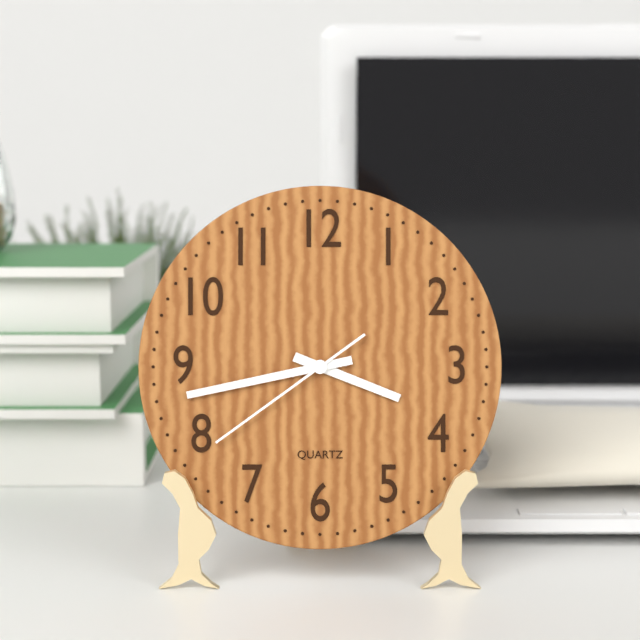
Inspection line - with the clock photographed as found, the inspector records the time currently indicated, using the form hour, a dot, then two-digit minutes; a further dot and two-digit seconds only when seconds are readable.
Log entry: 3.43.39
